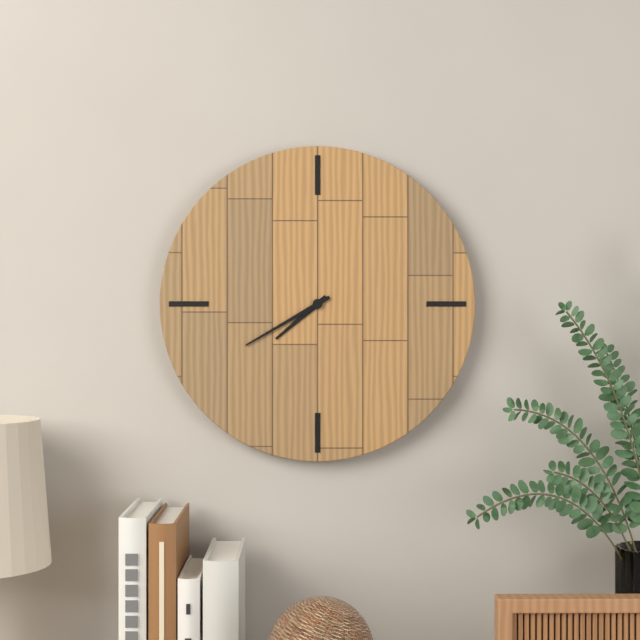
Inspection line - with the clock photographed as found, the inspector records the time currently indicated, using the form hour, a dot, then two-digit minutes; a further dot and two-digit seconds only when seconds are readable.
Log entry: 7.40
